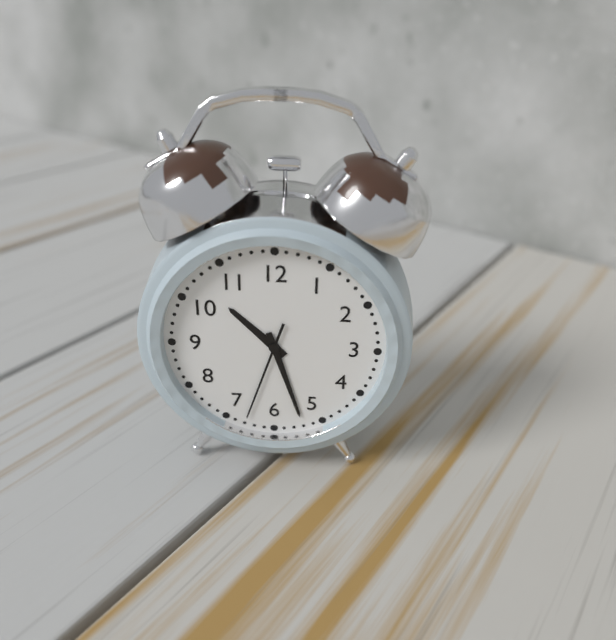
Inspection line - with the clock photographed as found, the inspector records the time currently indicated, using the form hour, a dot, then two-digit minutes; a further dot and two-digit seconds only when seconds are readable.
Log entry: 10.27.33
